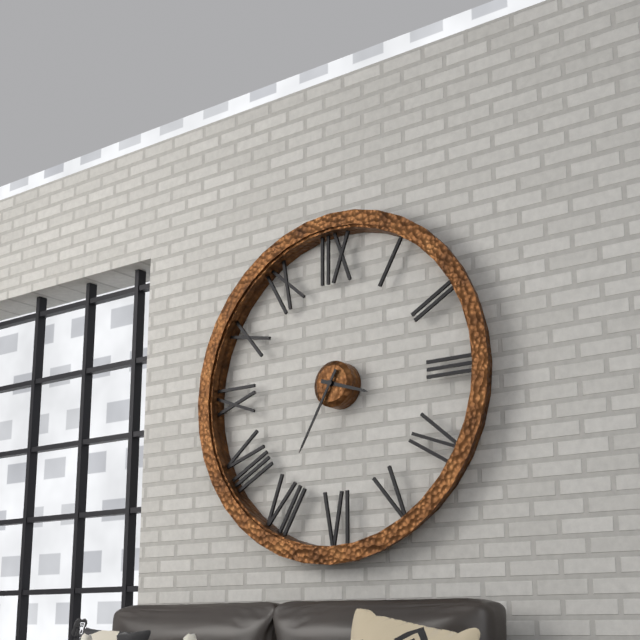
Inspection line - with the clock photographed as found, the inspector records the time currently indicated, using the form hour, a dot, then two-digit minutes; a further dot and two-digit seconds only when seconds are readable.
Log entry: 3.35
